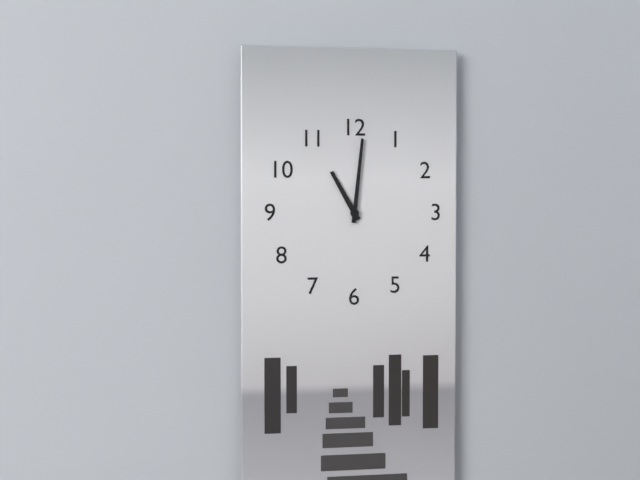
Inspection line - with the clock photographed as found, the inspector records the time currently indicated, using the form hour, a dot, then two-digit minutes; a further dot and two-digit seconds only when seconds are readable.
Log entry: 11.01
